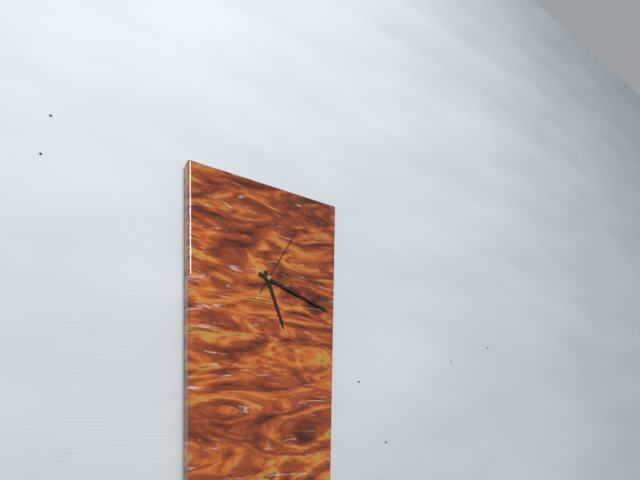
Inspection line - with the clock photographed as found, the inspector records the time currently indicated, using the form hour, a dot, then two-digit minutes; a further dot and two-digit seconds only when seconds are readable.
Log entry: 5.18.05
